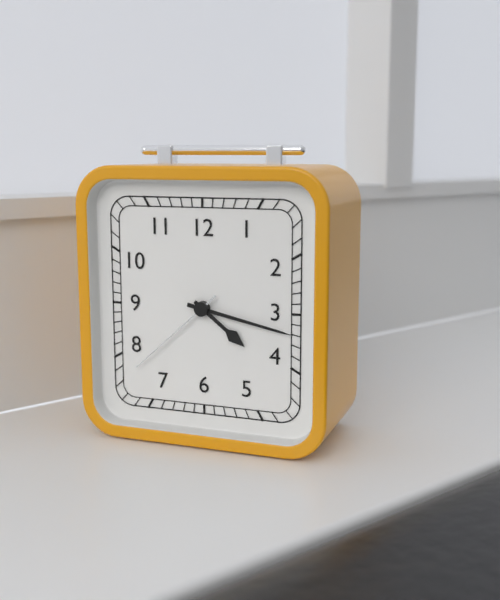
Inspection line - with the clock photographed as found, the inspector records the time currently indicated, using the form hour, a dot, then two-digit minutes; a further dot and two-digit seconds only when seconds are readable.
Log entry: 4.17.38
